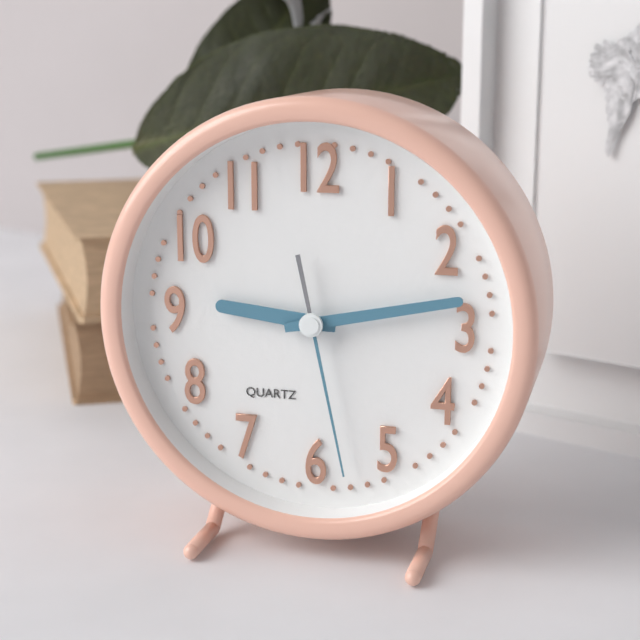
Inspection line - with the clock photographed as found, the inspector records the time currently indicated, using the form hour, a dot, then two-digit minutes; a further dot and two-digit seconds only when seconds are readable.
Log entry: 9.13.28
